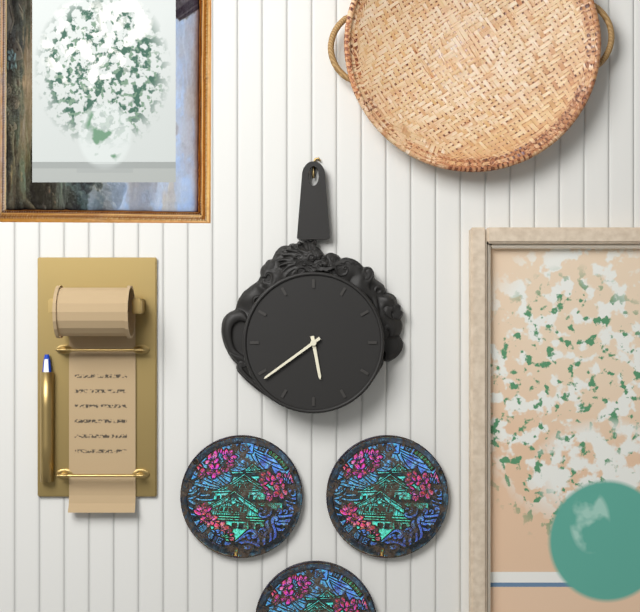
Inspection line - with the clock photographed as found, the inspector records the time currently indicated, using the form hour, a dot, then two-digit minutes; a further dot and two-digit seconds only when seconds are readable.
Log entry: 5.39
